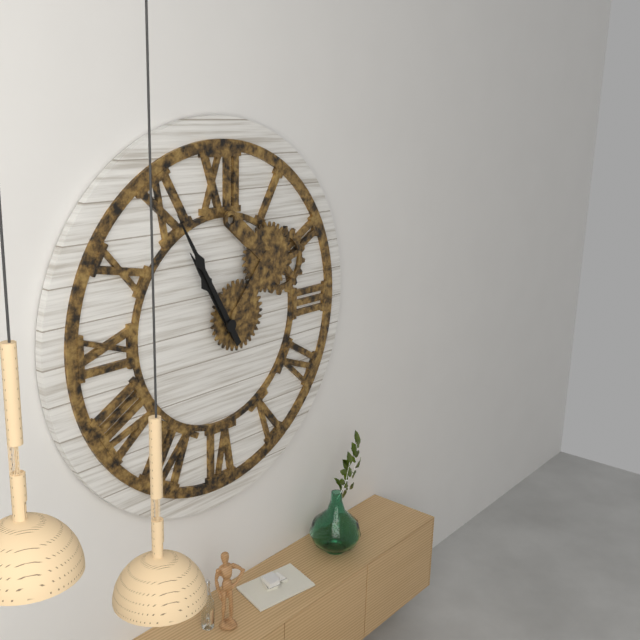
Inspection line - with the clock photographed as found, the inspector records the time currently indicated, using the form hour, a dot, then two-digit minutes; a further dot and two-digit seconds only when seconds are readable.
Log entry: 10.55
